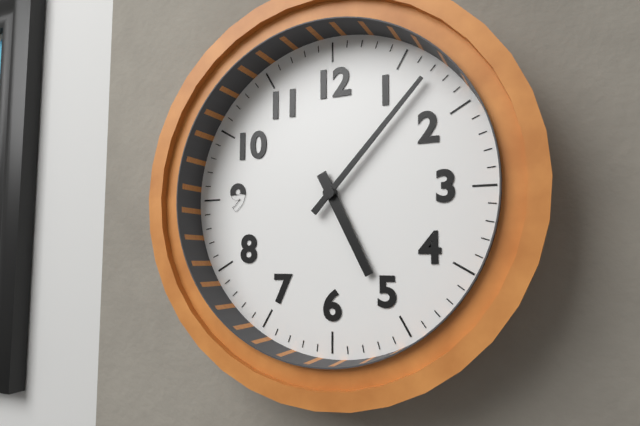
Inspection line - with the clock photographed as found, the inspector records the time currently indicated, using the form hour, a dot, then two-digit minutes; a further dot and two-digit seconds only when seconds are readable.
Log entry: 5.07
